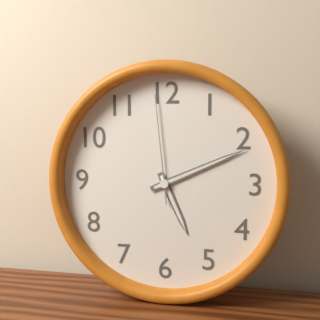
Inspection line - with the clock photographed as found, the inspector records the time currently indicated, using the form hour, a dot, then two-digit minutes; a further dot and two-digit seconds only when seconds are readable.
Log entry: 5.11.59
